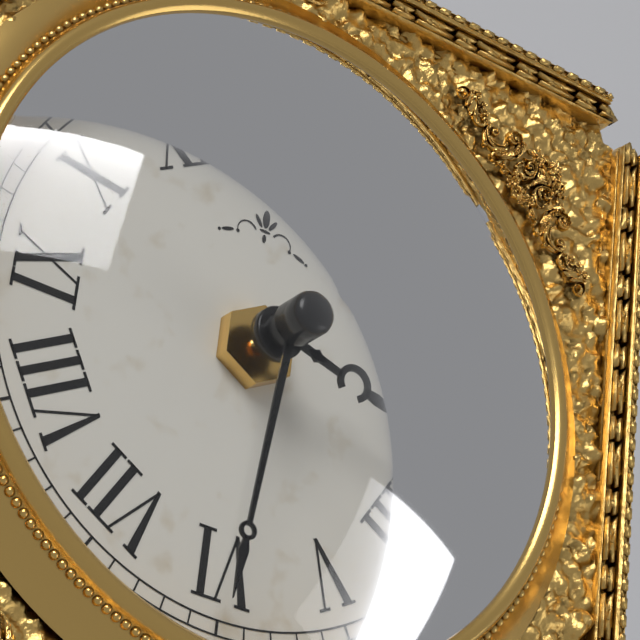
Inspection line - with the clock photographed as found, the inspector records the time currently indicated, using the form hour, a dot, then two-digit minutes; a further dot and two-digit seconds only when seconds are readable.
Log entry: 3.31
